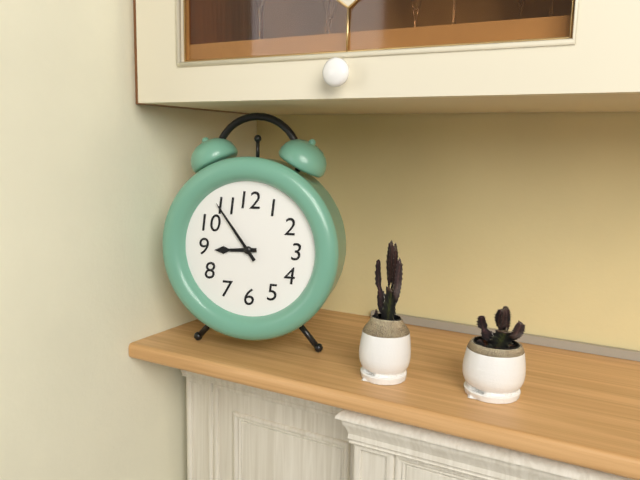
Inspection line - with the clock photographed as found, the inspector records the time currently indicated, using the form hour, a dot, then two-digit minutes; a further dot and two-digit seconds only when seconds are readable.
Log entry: 8.54
